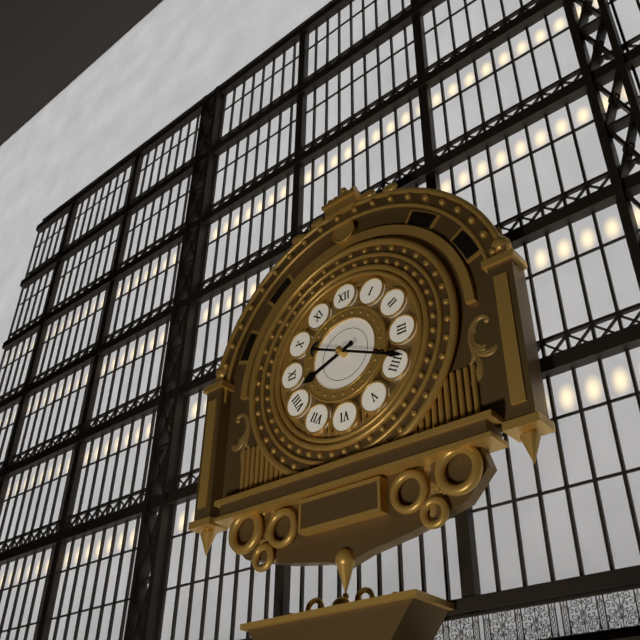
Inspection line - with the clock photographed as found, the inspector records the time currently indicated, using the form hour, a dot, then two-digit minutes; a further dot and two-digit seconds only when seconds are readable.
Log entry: 8.19
